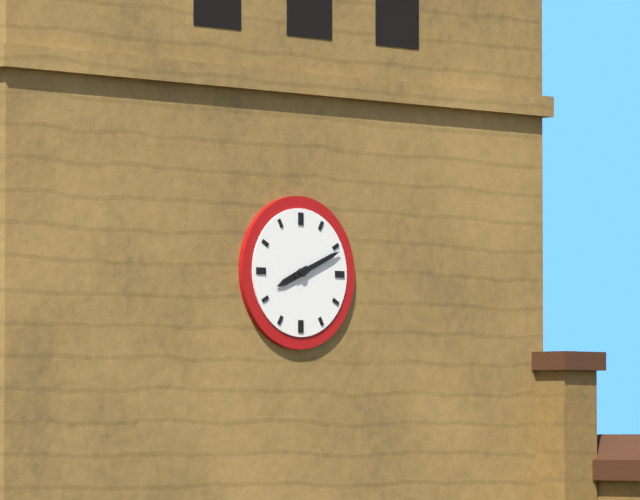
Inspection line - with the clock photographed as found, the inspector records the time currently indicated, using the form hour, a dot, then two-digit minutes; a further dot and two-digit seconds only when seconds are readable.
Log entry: 8.11
